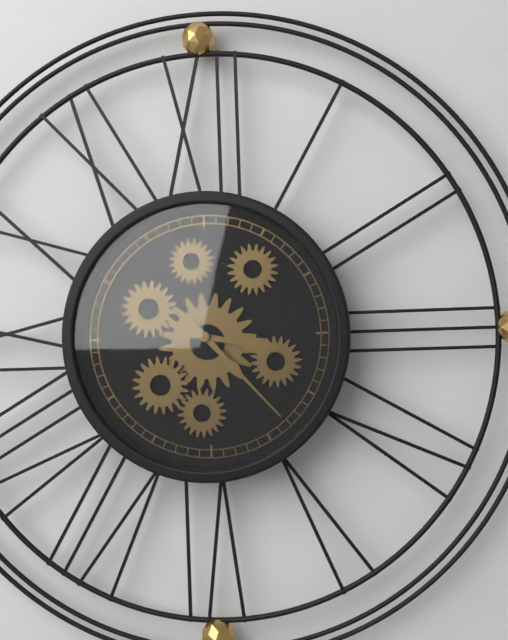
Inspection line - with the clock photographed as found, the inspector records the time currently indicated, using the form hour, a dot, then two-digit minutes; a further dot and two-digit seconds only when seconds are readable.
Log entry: 3.23
